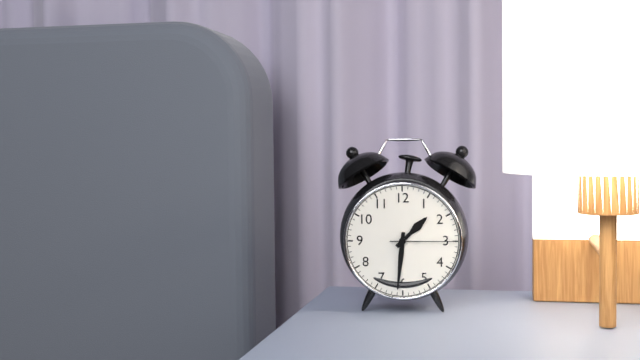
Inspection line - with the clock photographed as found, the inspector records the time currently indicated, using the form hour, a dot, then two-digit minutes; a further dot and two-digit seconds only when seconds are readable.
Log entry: 1.31.15
